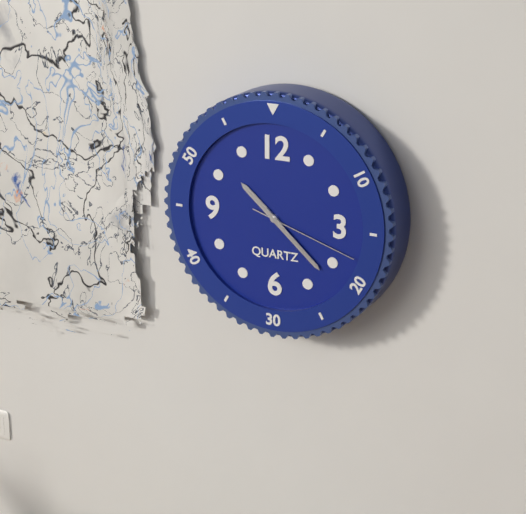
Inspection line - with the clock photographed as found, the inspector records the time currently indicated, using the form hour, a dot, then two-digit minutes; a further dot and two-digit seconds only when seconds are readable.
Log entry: 10.22.18
